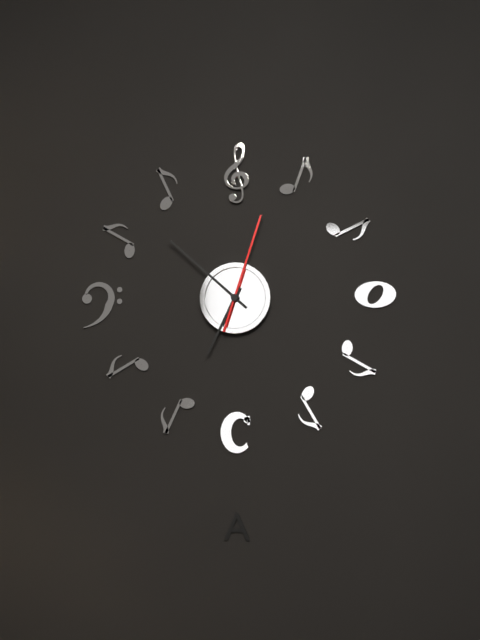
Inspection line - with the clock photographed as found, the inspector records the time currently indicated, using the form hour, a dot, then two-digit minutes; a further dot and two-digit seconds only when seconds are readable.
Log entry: 6.52.03
